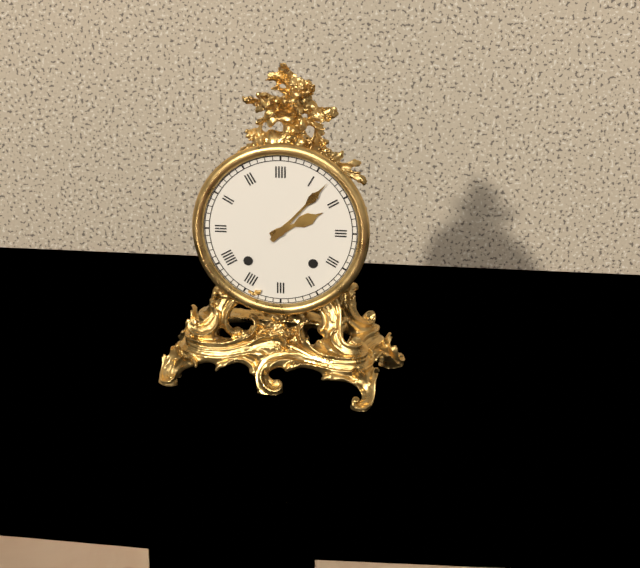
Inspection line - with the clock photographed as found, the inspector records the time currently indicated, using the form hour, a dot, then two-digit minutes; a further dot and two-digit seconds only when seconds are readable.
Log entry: 2.07
